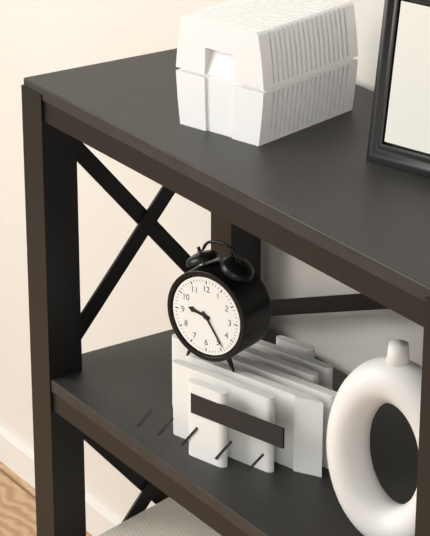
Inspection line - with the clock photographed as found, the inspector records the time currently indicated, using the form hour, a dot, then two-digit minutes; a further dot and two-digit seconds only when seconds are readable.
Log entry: 9.24
